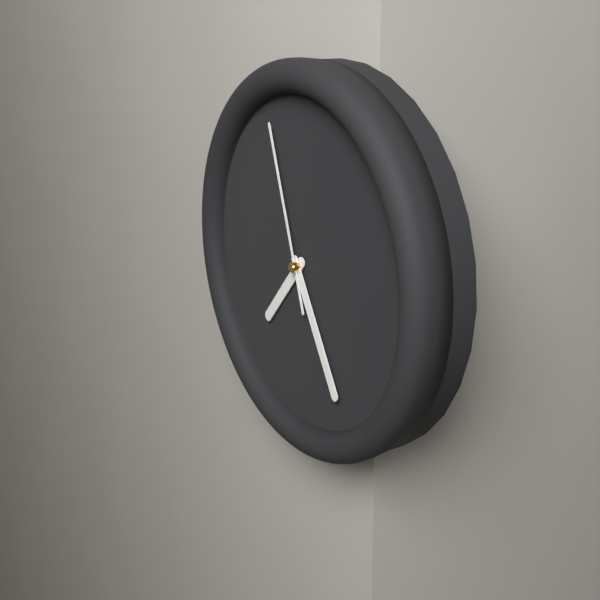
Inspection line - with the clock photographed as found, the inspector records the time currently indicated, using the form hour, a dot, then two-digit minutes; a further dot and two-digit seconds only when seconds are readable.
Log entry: 7.25.57
